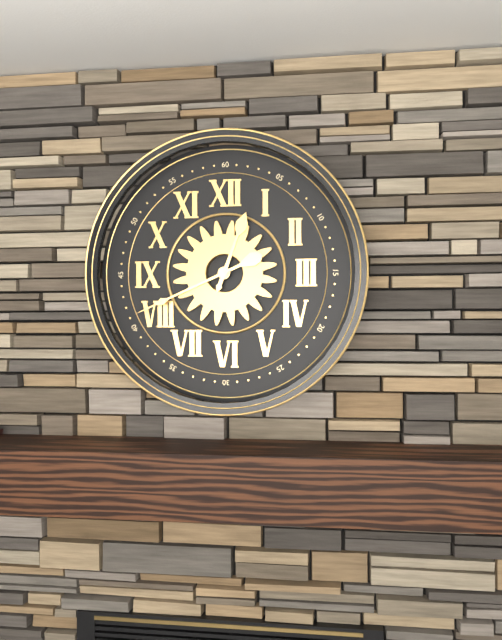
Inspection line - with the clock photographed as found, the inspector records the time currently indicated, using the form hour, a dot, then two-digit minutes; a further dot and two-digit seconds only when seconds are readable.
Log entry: 12.41
